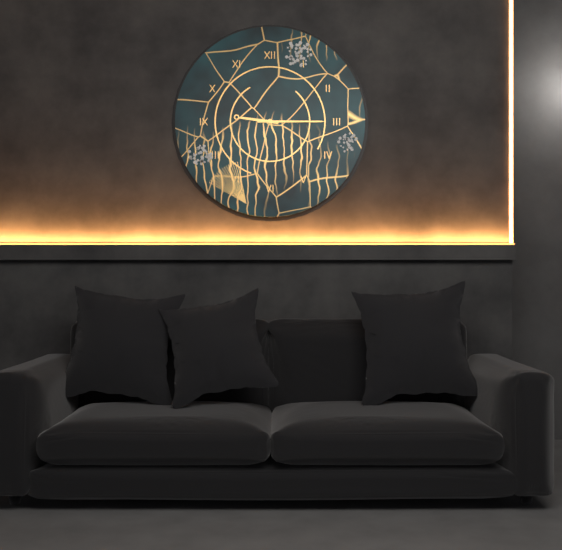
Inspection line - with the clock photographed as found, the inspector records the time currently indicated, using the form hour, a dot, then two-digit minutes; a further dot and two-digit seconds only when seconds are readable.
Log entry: 9.15
